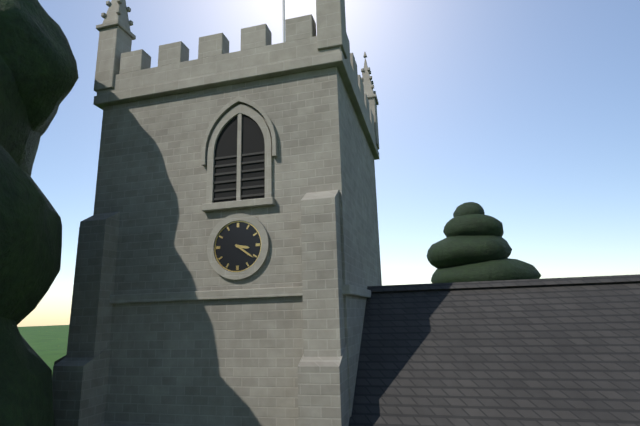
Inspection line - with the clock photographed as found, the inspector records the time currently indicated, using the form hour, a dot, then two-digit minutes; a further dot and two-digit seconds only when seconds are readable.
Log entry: 3.21
